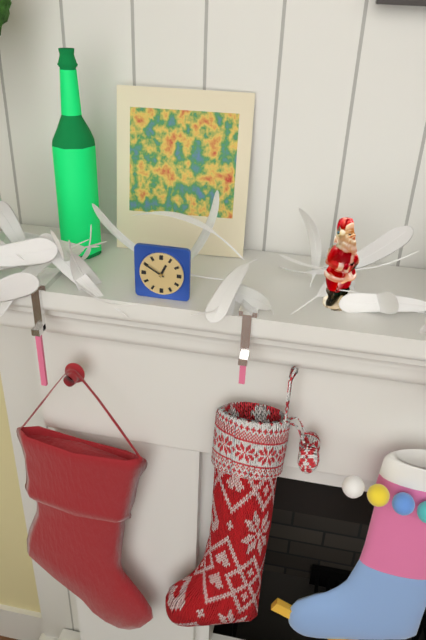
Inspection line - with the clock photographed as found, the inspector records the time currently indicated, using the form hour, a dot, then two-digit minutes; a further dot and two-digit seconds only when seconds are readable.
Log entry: 12.50
